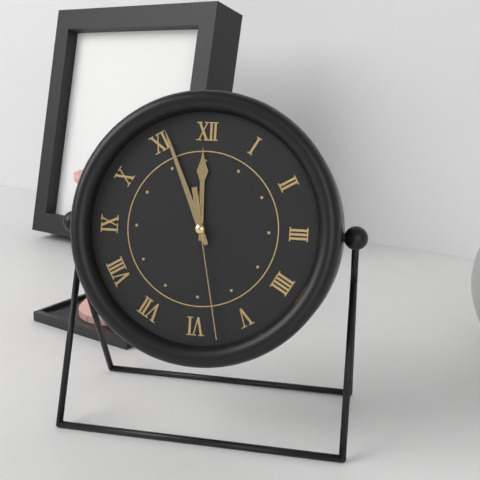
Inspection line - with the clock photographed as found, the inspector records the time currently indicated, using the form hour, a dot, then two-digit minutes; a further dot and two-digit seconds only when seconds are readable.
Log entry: 11.56.28
